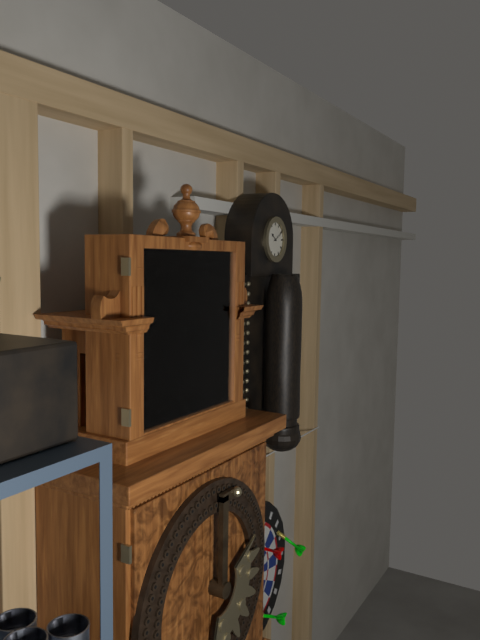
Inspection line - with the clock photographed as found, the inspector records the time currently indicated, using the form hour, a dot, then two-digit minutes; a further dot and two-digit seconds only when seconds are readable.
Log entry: 11.23
